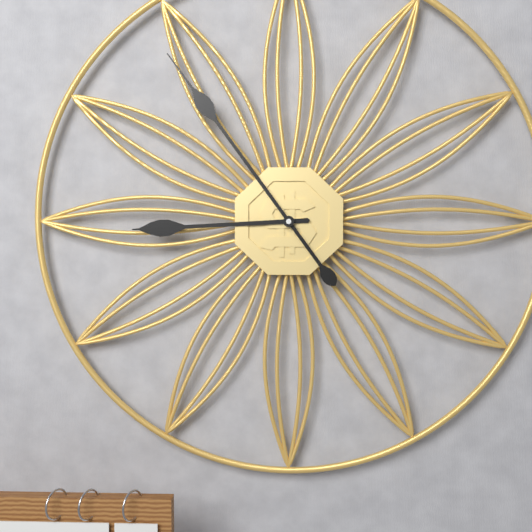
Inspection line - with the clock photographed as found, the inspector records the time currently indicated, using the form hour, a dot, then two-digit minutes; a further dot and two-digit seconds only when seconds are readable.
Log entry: 8.54
